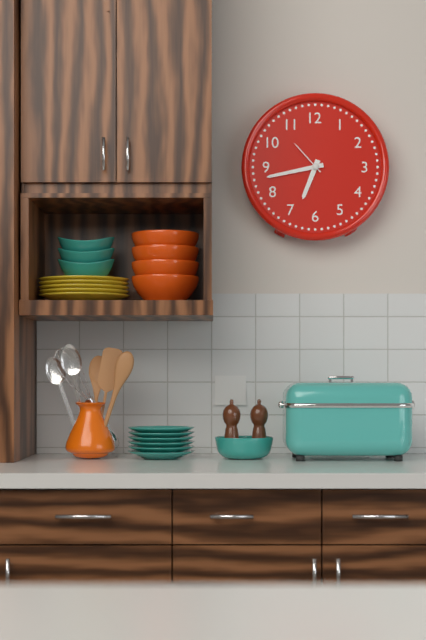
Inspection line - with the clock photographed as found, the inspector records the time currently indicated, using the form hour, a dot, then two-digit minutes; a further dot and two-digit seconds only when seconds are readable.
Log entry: 6.43
